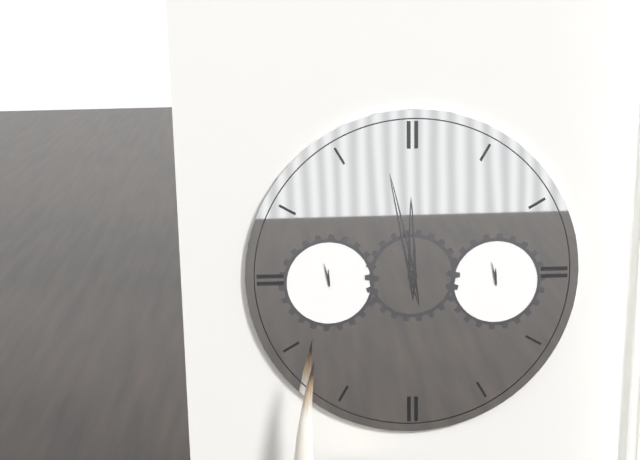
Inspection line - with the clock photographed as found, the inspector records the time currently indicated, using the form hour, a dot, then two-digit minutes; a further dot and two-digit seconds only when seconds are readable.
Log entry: 11.58
